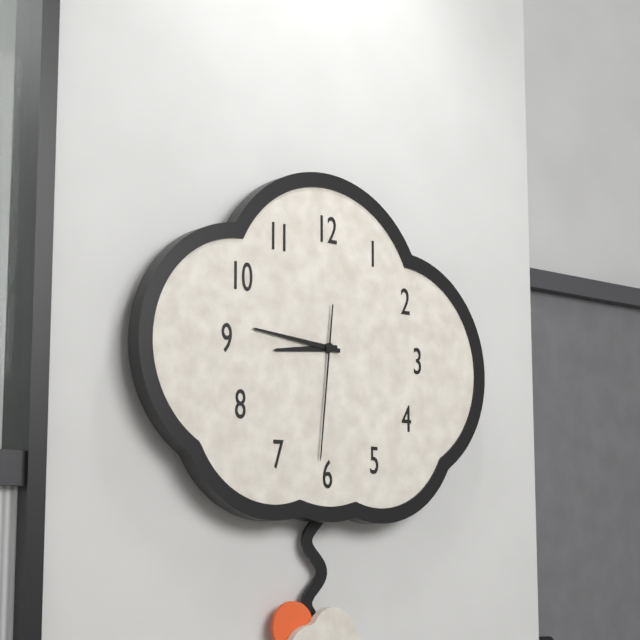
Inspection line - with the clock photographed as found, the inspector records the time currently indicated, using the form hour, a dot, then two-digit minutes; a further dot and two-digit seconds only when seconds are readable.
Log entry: 8.46.31
